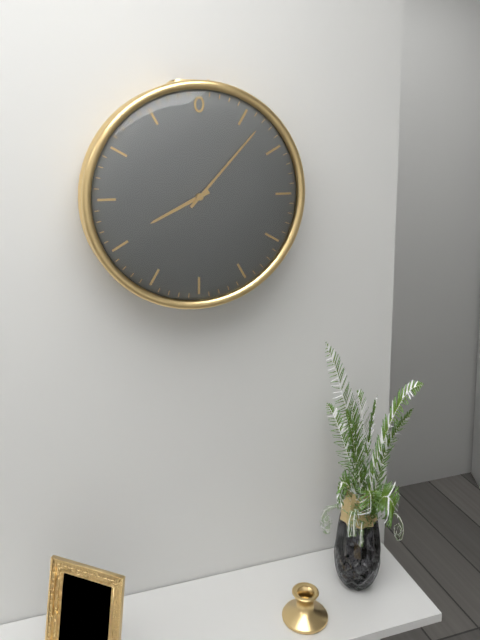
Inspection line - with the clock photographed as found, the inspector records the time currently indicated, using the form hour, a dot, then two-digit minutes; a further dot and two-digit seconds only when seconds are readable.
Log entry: 8.07
